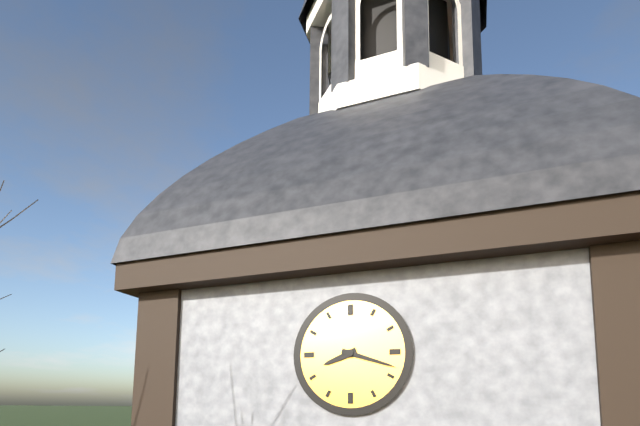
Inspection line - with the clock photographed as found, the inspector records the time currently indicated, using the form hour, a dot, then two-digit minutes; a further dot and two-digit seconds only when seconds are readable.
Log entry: 8.18
